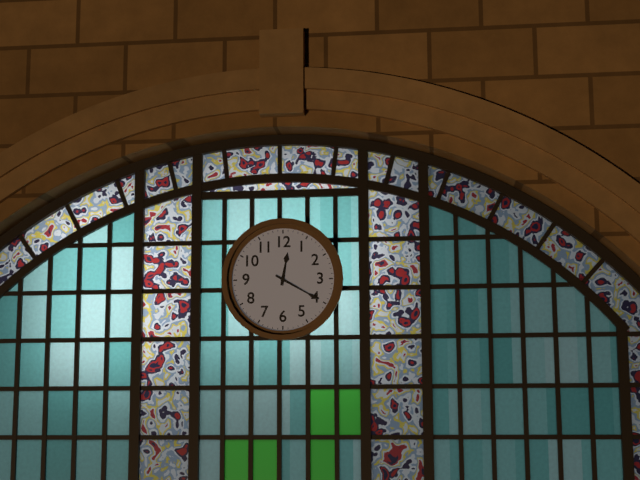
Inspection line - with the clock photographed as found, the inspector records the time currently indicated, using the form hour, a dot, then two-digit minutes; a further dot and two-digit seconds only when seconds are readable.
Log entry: 12.20
